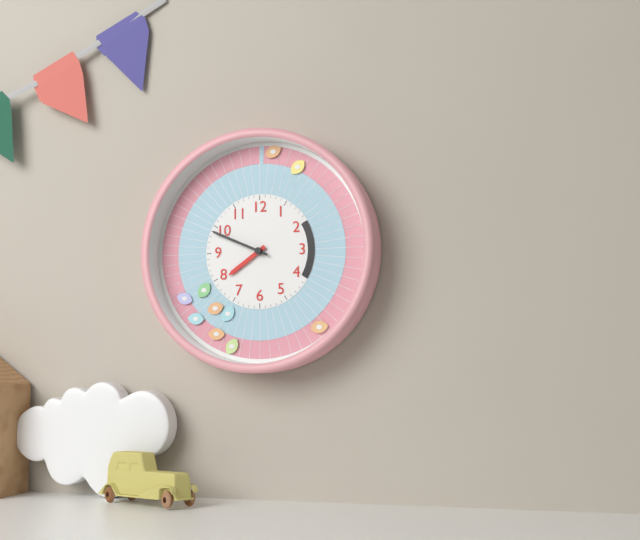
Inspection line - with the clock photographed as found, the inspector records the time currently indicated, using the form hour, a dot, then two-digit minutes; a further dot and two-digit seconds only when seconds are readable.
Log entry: 7.49
